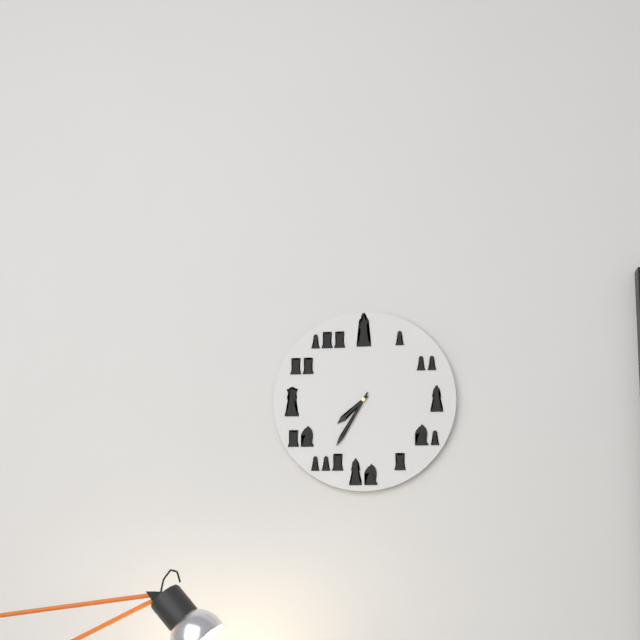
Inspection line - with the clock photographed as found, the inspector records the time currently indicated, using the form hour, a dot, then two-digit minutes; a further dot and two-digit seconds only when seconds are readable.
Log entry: 7.35
